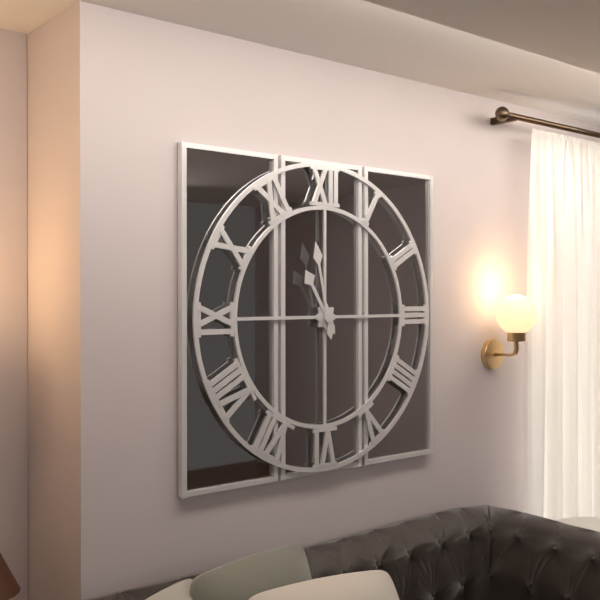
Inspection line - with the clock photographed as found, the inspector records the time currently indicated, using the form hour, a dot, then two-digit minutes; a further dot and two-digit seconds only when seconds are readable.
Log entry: 10.58
